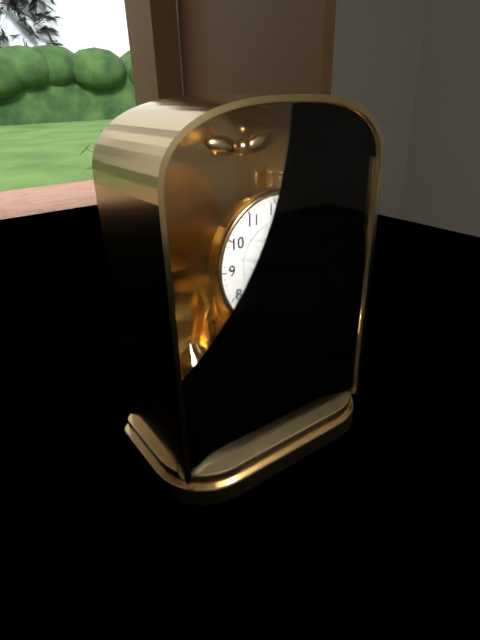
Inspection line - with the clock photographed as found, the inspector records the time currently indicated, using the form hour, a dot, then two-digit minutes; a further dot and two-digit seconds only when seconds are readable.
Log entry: 8.06.17
